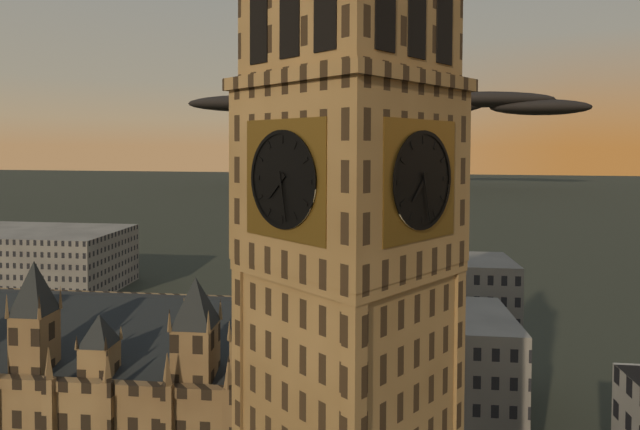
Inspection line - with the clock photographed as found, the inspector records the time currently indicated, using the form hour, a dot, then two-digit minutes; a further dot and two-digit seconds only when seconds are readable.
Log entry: 7.28
